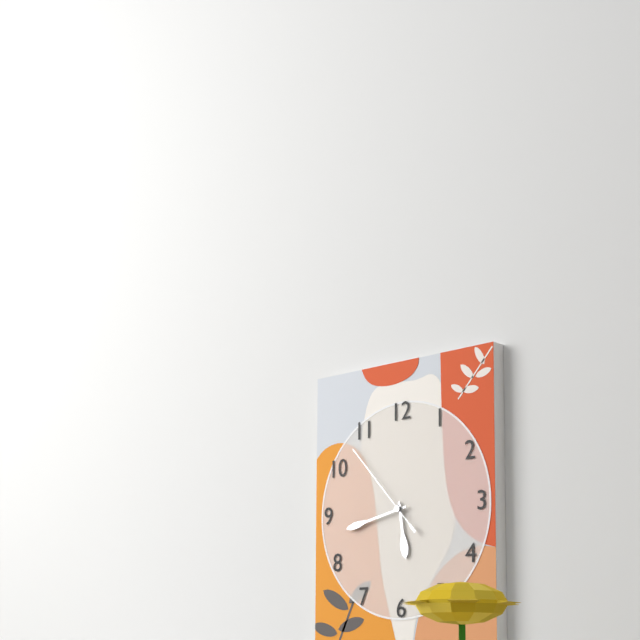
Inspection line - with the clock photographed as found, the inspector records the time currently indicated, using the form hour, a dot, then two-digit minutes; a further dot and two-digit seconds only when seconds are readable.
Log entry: 5.43.53
